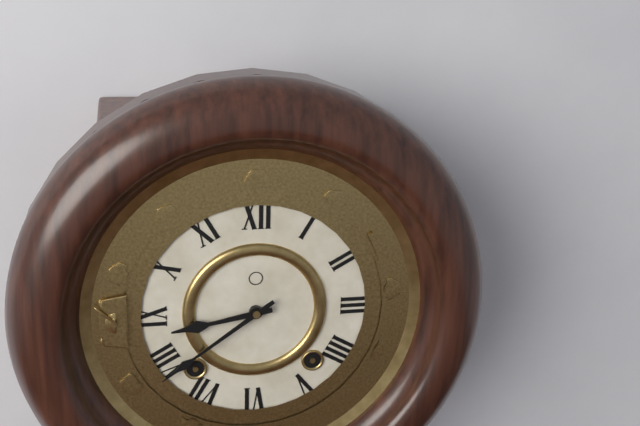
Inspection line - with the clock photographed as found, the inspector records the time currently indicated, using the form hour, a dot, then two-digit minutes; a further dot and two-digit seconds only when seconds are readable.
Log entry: 8.39
